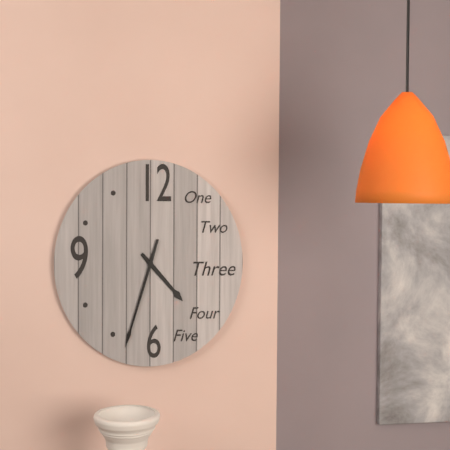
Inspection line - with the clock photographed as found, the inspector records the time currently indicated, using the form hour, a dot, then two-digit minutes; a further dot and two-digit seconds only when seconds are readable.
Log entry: 4.33
